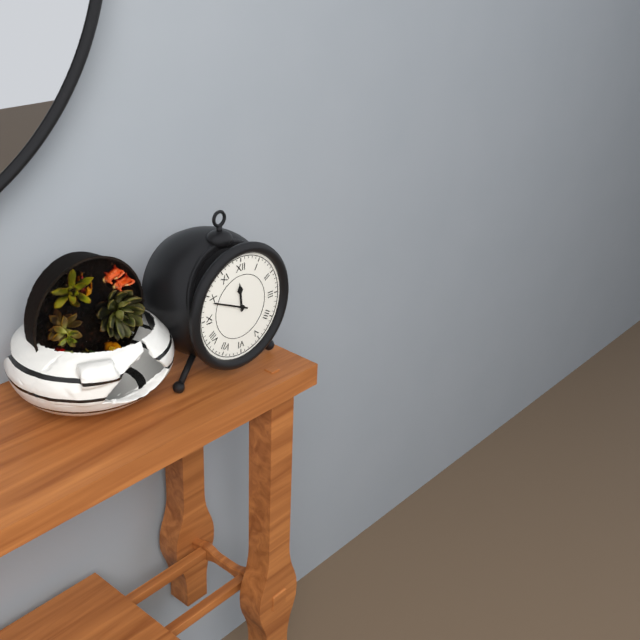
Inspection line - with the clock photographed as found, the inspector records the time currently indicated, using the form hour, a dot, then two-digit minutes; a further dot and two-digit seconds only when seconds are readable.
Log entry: 11.49
